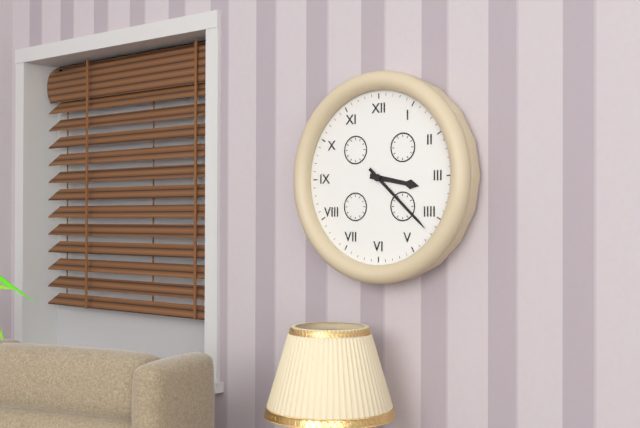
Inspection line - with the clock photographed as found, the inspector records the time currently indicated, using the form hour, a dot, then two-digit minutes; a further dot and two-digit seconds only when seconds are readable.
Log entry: 3.22
